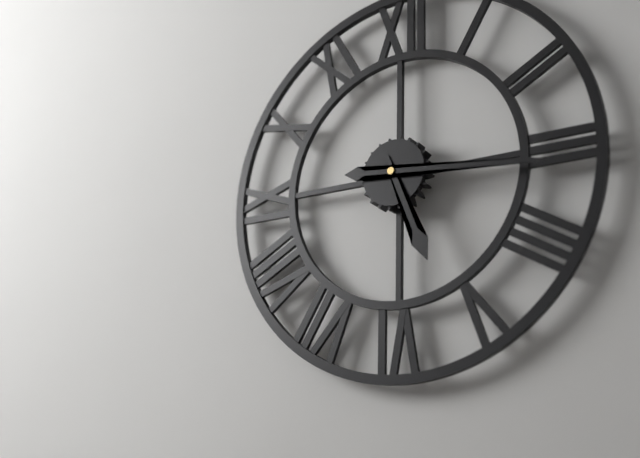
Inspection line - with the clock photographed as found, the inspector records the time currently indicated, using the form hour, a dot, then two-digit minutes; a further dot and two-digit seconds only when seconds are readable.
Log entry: 5.16
